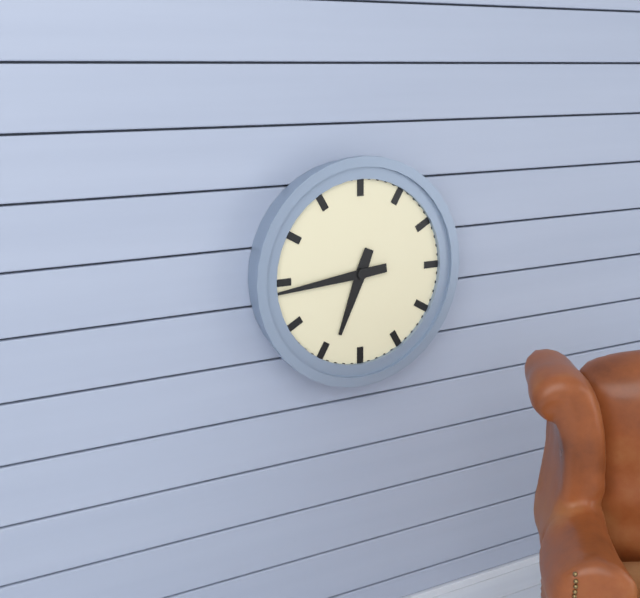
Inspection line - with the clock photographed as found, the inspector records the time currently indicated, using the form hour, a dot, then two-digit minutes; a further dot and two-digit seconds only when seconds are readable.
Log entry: 6.44
